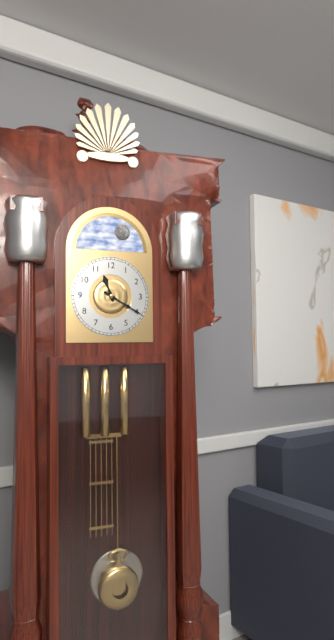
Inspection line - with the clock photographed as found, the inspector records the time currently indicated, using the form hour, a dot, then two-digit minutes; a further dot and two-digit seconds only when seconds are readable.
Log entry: 11.20
